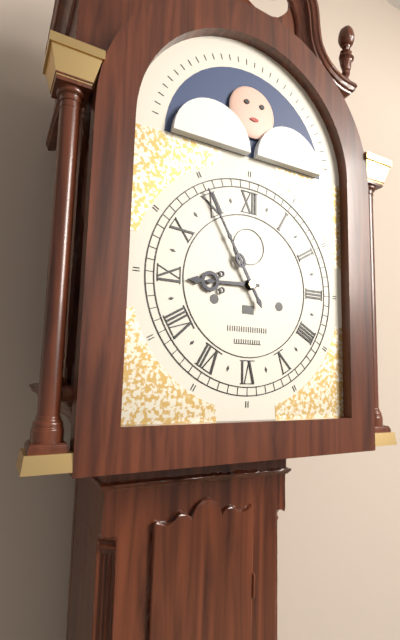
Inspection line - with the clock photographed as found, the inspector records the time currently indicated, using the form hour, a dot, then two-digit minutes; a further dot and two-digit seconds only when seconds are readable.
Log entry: 8.55
